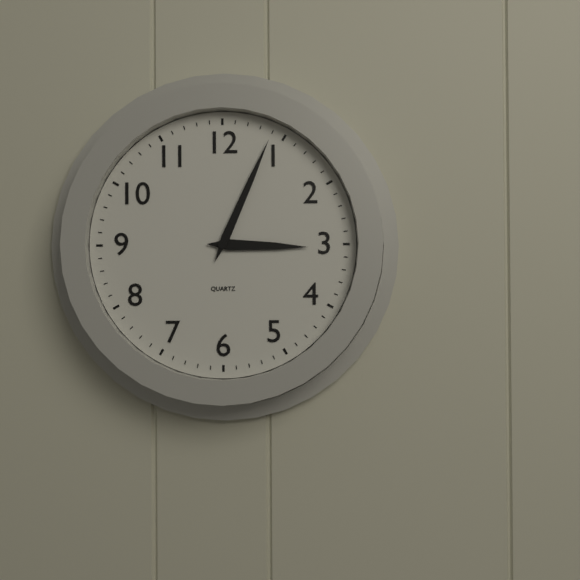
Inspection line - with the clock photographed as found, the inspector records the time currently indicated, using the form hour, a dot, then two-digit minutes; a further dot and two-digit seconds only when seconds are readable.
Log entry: 3.04
